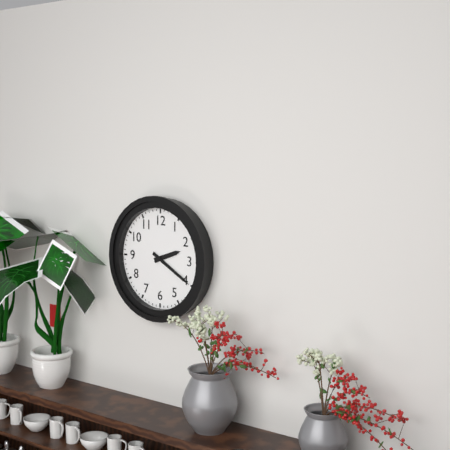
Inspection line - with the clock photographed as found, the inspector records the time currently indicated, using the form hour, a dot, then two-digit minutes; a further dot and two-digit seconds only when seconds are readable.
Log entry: 2.20
